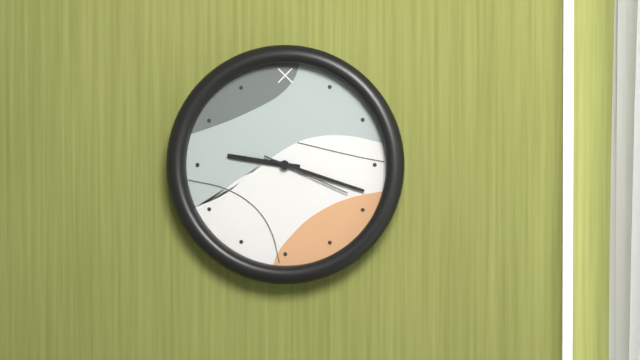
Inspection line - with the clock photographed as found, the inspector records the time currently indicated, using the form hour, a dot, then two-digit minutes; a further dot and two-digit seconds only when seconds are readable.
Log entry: 9.18.19
